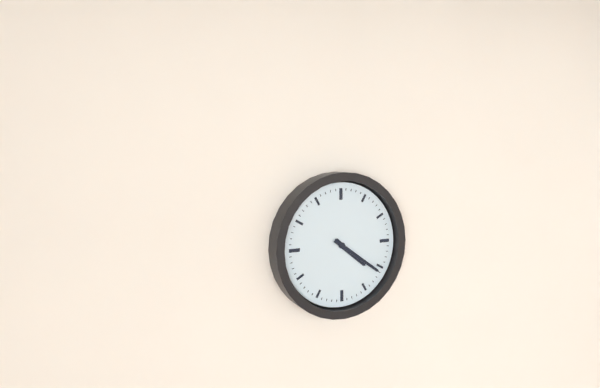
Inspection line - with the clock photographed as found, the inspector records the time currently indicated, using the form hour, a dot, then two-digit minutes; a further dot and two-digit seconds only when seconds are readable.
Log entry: 4.21
